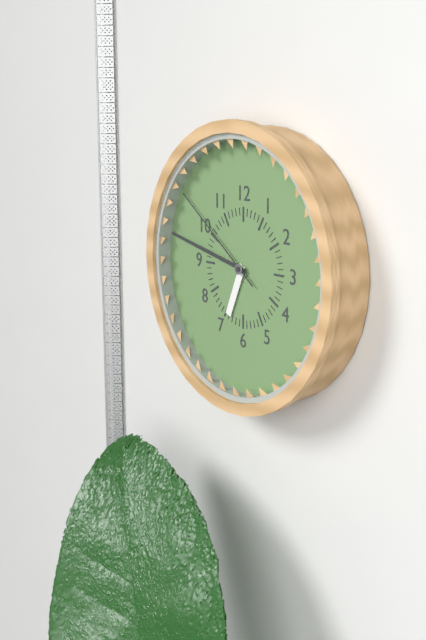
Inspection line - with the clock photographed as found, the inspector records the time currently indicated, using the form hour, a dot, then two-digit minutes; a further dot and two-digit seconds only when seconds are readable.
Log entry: 6.47.51
